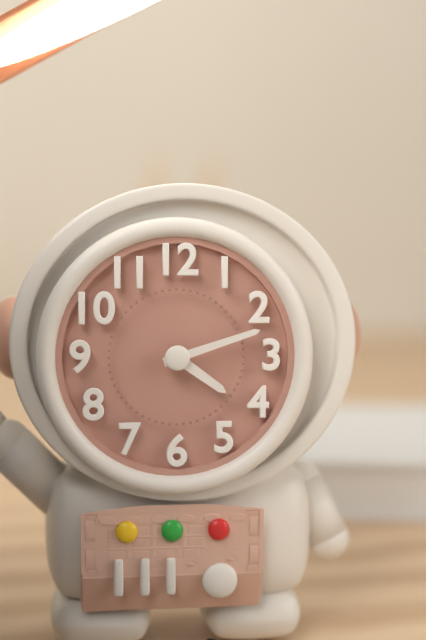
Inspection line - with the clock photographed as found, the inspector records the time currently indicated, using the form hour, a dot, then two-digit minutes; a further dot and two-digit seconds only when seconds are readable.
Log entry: 4.12
